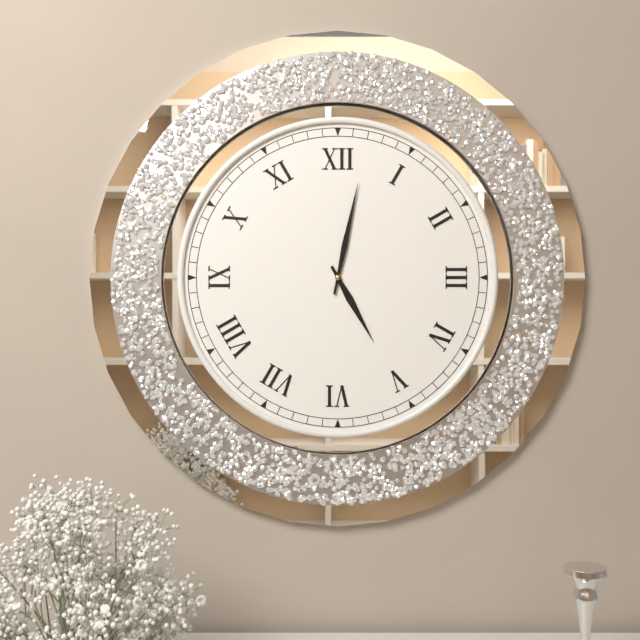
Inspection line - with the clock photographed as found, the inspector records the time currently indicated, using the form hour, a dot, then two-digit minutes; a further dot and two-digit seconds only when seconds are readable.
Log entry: 5.02
